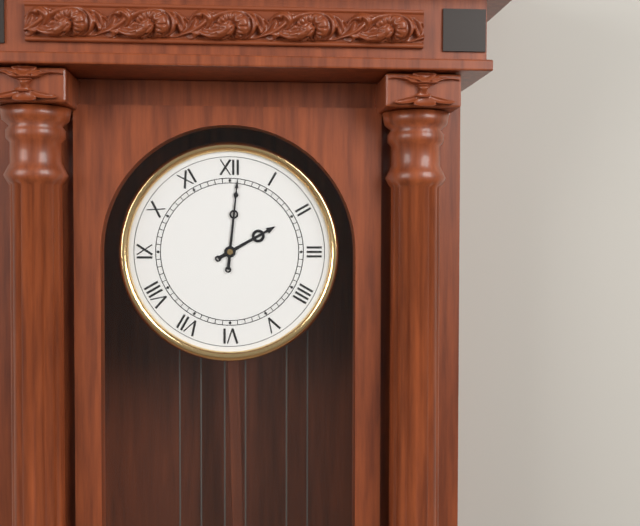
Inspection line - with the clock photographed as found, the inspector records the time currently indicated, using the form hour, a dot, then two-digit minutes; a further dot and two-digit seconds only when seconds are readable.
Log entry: 2.01
